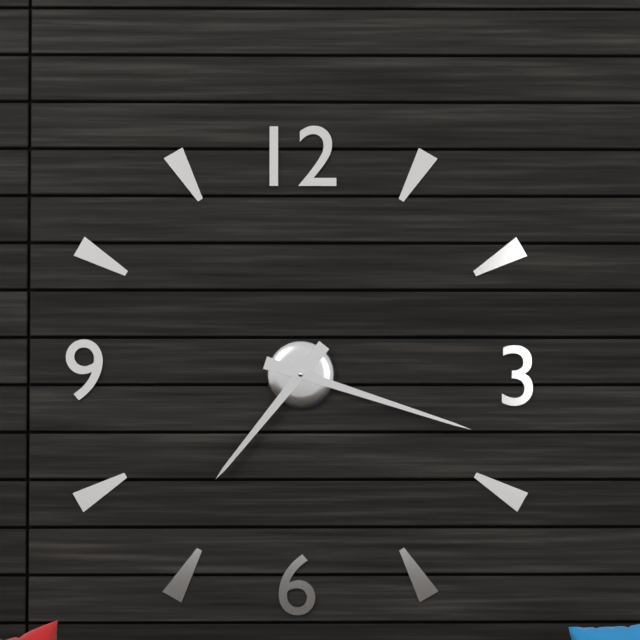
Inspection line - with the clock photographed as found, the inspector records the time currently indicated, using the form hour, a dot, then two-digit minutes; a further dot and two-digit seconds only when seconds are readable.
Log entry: 7.18
